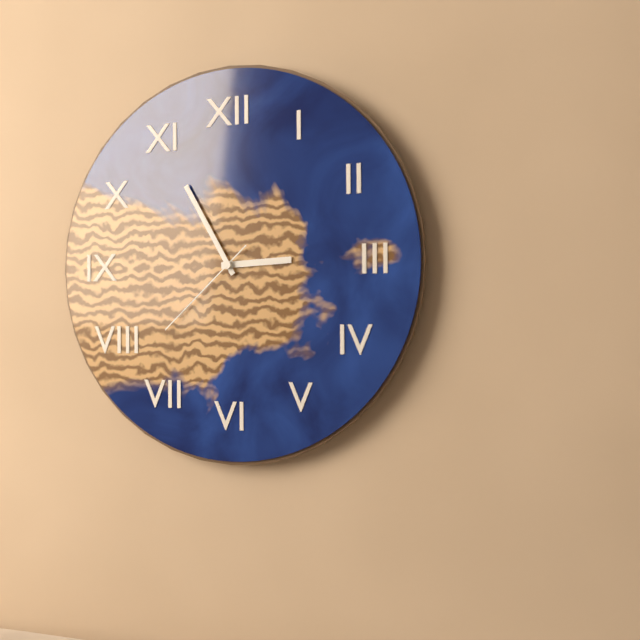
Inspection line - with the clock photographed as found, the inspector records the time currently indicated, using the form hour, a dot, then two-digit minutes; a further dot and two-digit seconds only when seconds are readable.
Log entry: 2.55.38
